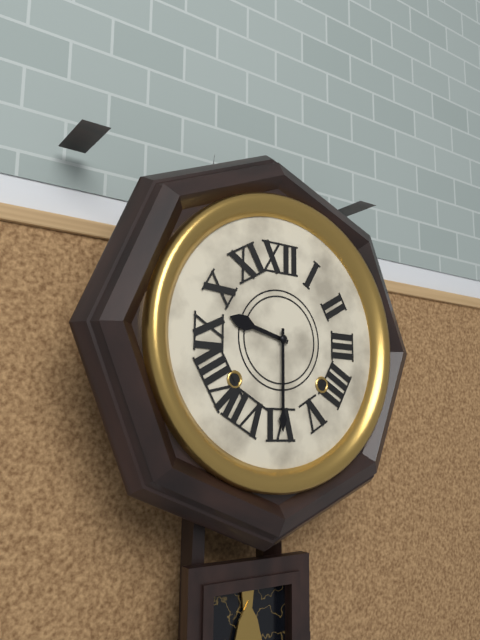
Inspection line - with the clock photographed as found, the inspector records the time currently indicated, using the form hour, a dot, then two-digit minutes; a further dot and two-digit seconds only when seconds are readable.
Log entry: 9.30
